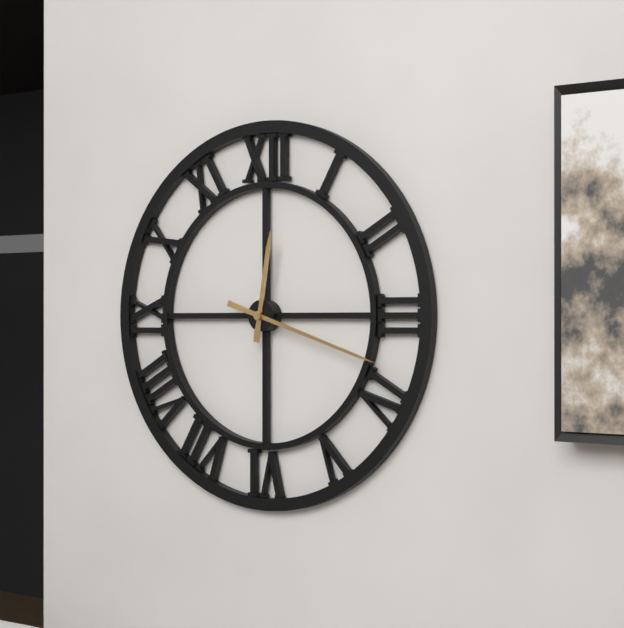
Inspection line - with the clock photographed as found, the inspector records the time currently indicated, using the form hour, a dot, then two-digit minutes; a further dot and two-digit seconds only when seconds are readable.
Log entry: 12.18
